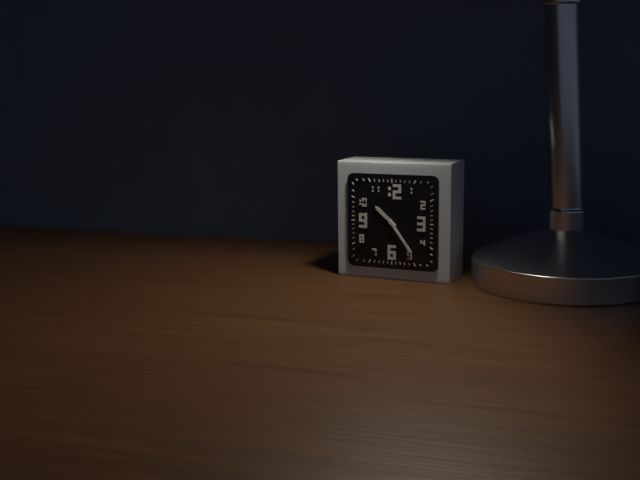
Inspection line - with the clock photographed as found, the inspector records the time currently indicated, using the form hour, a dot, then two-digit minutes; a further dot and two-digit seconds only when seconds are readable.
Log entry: 10.24
